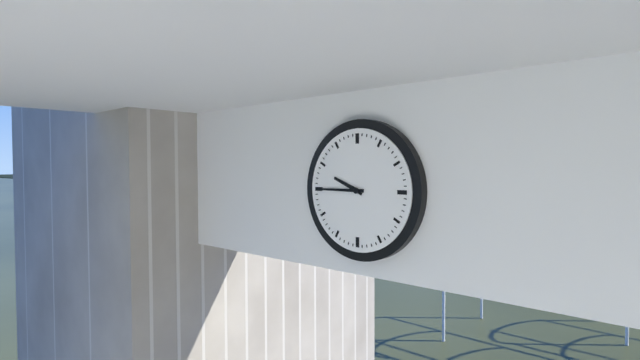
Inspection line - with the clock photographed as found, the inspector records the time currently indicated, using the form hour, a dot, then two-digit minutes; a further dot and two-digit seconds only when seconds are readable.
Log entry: 9.45
